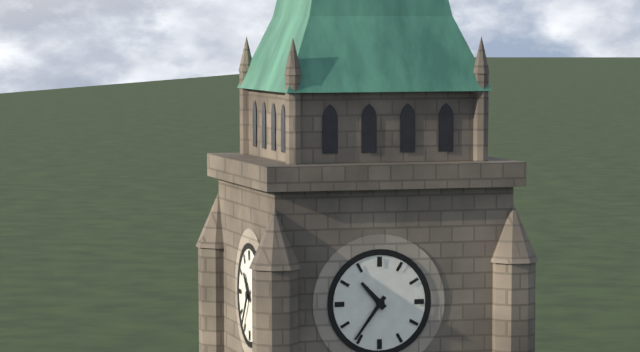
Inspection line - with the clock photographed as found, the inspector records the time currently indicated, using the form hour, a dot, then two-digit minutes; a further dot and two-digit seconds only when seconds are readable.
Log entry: 10.36
